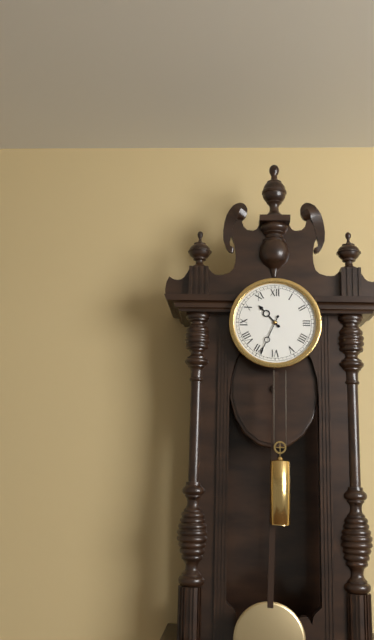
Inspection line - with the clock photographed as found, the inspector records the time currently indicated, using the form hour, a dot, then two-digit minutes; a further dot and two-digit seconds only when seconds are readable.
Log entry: 10.34
